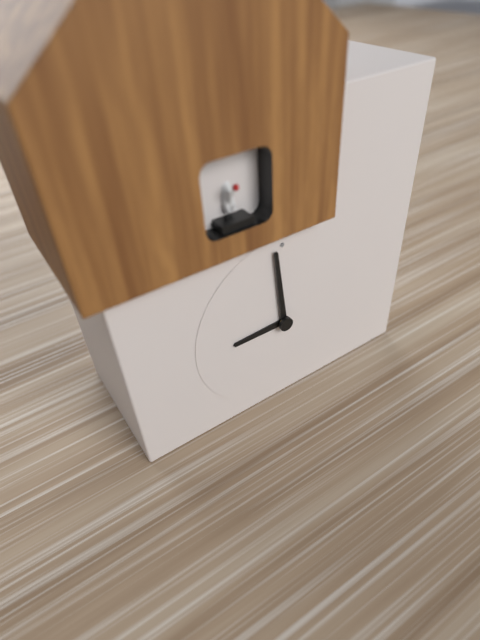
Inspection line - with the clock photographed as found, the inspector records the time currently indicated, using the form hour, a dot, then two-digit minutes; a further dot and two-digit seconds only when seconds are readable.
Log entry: 8.59
